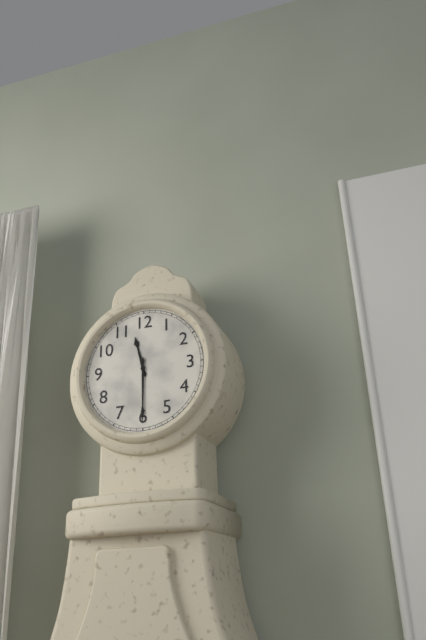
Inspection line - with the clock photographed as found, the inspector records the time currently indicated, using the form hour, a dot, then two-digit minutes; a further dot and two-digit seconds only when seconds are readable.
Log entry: 11.30
